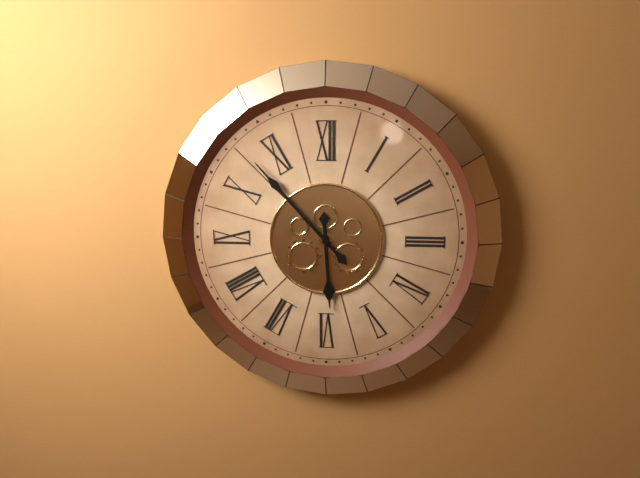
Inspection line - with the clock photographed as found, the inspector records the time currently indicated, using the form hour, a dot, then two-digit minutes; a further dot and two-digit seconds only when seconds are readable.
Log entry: 5.53
